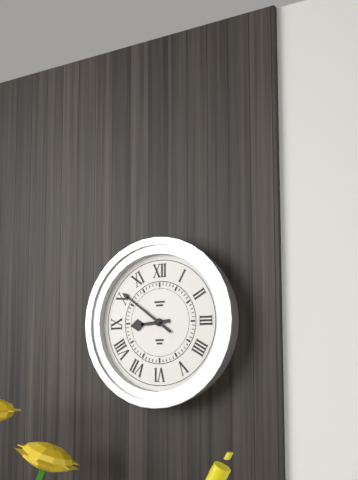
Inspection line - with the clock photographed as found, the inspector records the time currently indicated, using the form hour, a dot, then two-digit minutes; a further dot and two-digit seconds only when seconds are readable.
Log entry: 8.51
